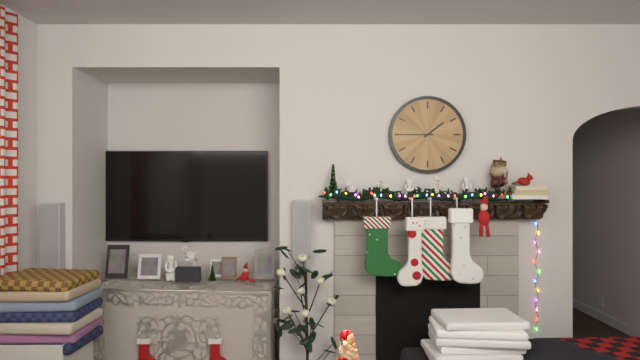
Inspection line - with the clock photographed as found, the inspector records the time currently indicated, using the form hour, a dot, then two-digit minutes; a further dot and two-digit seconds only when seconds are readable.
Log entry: 1.45
